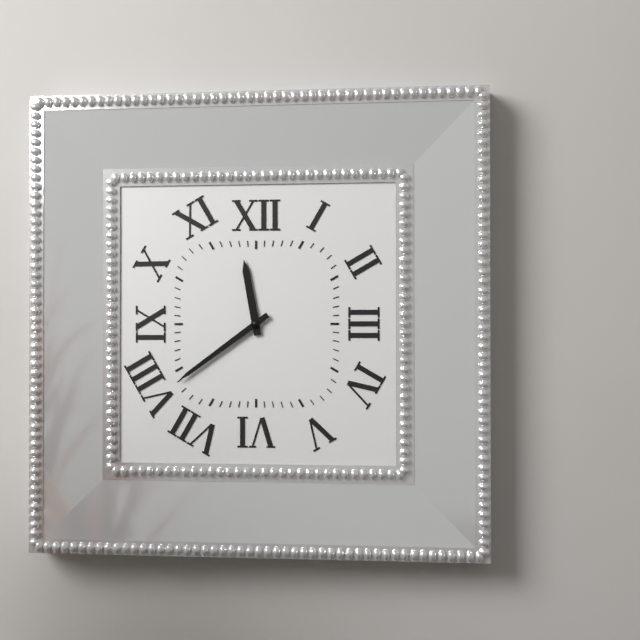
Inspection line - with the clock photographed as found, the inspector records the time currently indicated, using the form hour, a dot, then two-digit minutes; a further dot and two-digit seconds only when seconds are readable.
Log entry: 11.39
